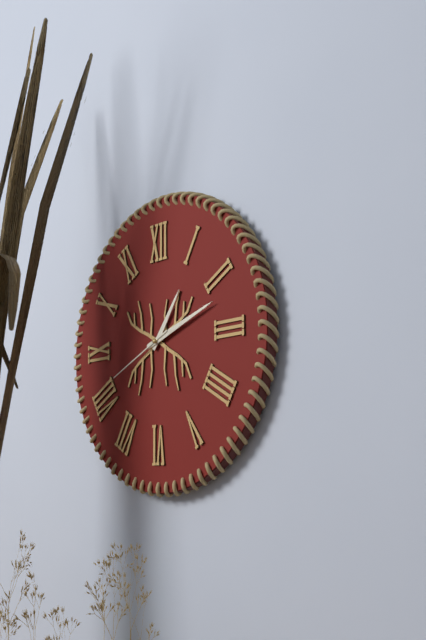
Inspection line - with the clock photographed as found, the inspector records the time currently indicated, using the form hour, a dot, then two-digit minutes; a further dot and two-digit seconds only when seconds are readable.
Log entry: 1.12.41
